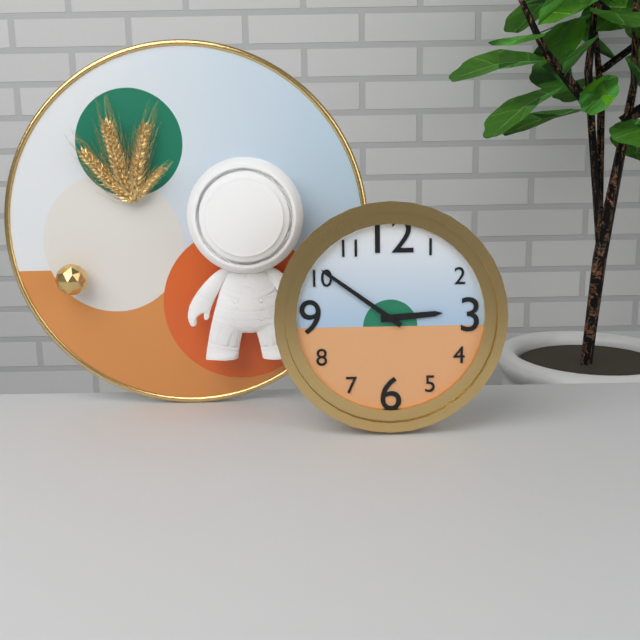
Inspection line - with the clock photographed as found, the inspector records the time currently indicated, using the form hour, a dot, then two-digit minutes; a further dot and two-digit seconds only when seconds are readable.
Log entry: 2.51
